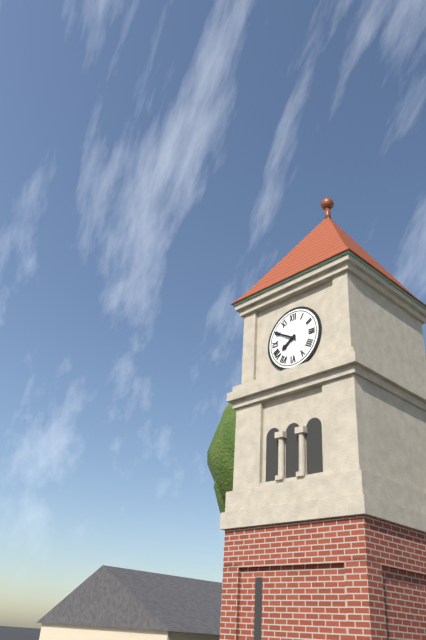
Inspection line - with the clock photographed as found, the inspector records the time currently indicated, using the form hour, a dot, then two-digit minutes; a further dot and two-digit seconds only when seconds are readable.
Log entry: 7.50
